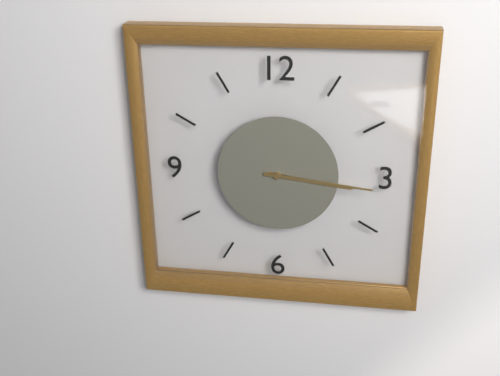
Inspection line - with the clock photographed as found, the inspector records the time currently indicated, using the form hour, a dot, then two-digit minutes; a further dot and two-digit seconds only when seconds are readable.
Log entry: 3.16
